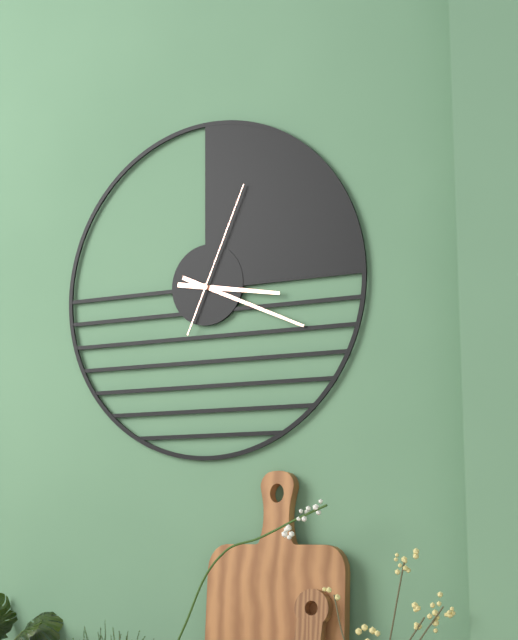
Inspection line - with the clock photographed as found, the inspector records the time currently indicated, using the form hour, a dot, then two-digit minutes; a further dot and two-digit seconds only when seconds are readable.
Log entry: 3.19.04
